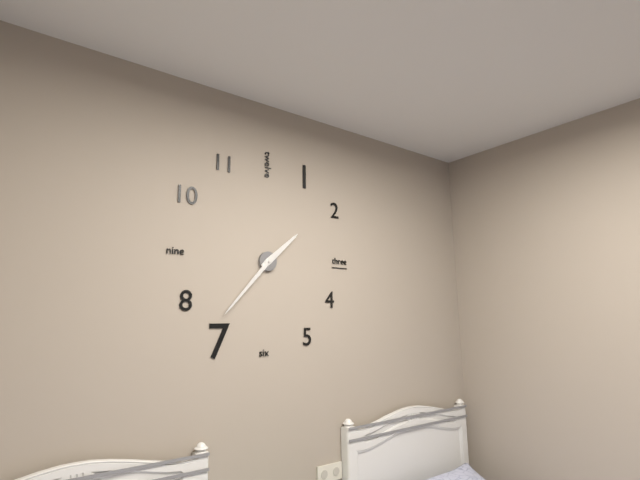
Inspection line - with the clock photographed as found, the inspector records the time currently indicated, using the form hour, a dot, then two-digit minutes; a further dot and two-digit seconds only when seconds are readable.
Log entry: 1.37
